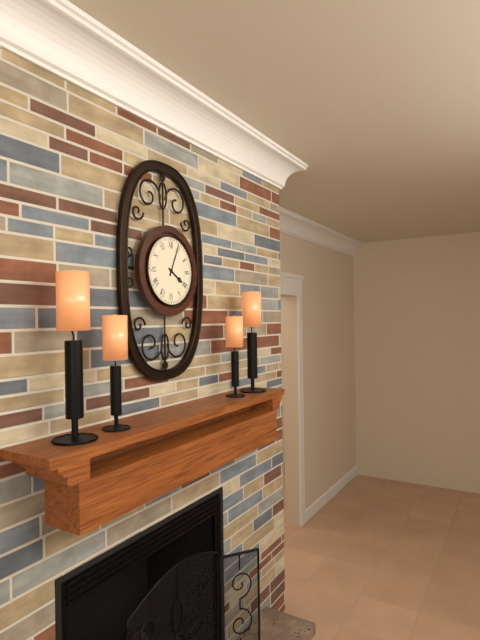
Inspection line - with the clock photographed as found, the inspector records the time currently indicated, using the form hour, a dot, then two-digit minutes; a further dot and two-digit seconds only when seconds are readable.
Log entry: 4.04
